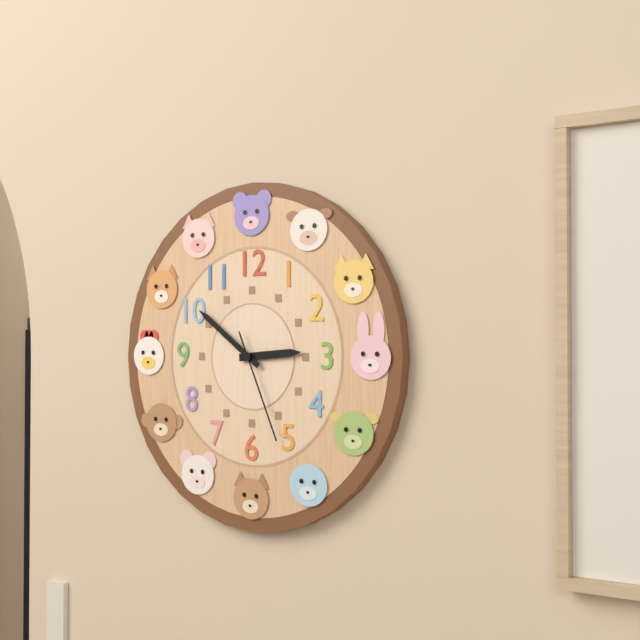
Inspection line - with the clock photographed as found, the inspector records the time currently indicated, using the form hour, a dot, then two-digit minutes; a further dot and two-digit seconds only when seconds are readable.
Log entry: 2.51.26
